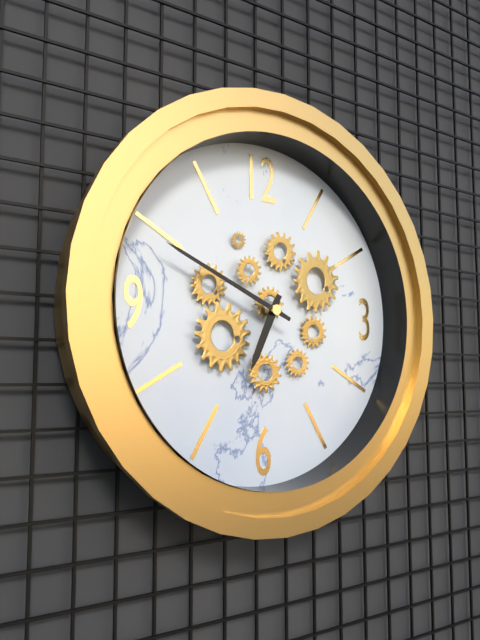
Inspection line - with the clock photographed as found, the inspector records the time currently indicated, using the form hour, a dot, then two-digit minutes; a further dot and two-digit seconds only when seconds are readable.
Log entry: 6.49
